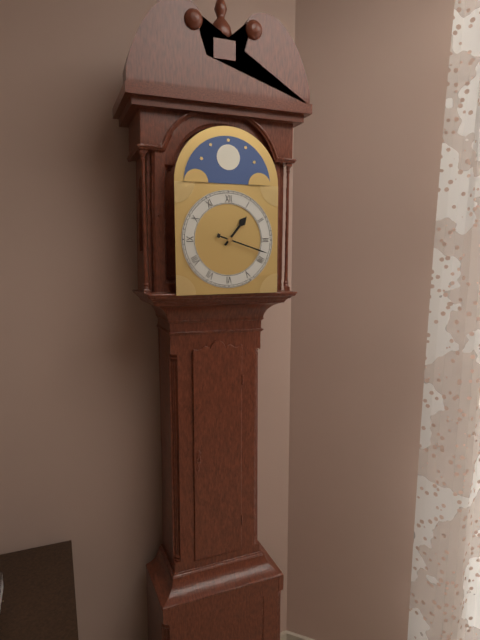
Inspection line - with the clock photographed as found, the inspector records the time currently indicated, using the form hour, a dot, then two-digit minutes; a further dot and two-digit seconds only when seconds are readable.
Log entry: 1.18
